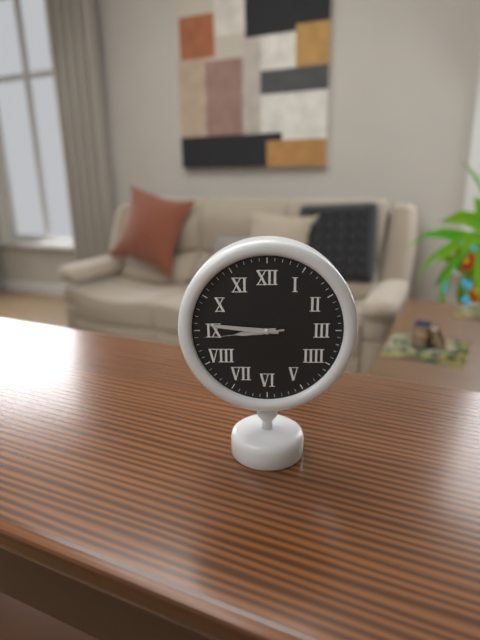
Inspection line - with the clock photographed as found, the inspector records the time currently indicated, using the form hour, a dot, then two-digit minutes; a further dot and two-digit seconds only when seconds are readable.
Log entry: 8.46.44
